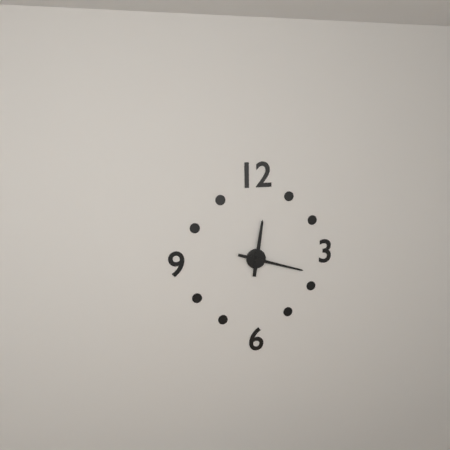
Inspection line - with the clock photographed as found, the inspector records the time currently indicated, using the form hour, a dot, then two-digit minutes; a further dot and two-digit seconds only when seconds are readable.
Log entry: 12.18
